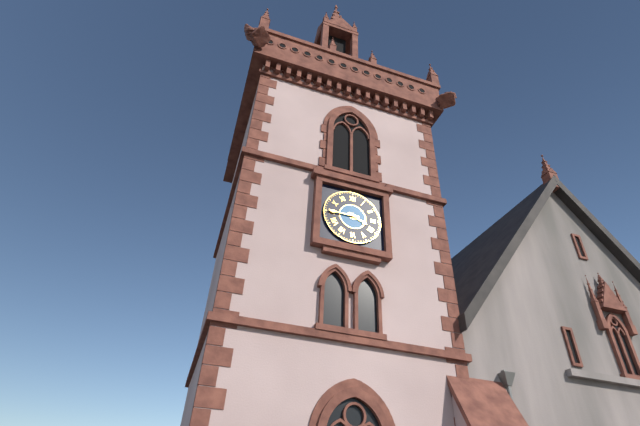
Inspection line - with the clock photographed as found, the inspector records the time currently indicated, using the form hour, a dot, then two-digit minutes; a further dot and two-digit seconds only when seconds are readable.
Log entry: 3.45
